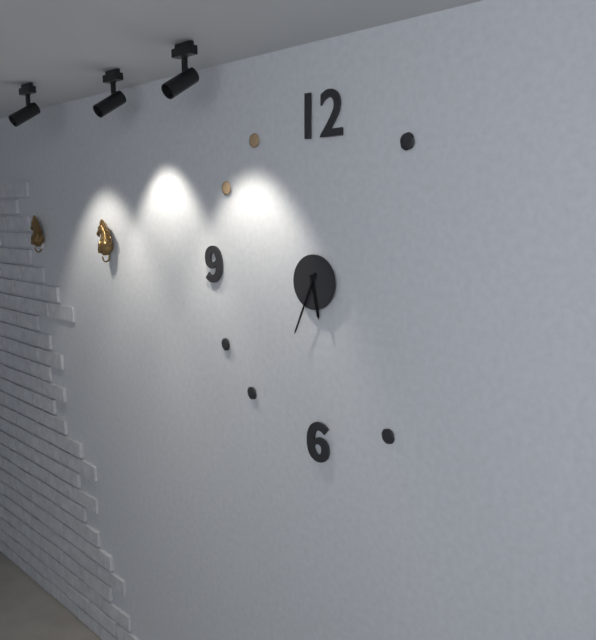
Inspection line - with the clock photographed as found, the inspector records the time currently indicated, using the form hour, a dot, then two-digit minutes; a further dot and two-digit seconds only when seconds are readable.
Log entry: 5.34
